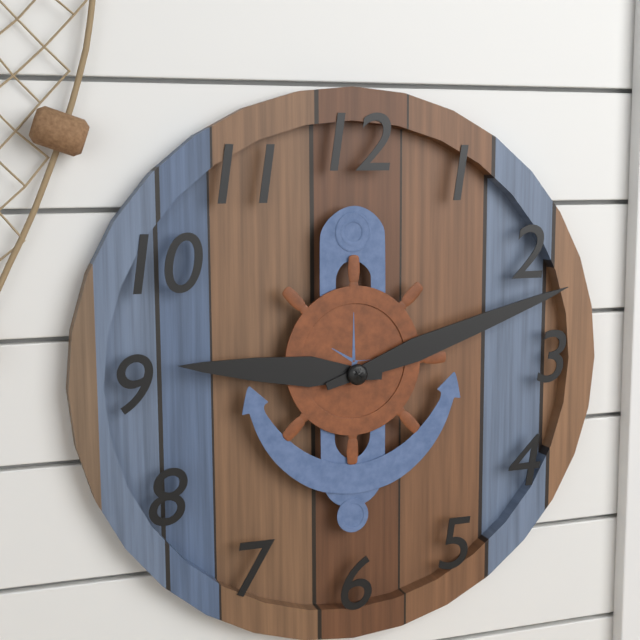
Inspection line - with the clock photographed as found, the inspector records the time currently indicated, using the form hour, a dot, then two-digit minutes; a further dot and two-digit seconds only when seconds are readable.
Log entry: 9.12
